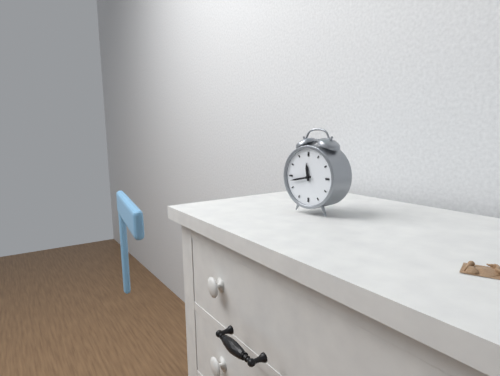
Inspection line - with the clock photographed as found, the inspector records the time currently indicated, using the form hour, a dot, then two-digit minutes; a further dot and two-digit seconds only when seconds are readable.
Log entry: 11.43
